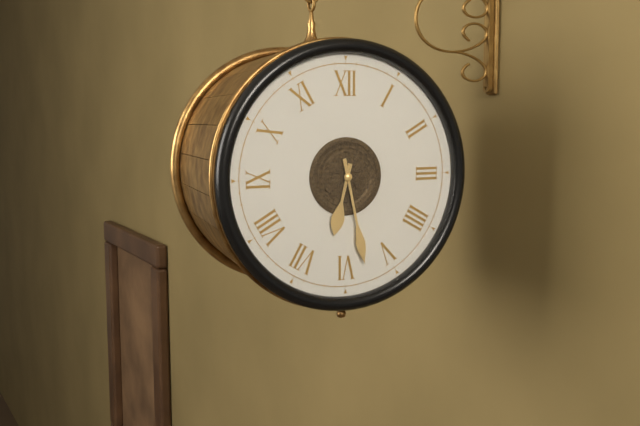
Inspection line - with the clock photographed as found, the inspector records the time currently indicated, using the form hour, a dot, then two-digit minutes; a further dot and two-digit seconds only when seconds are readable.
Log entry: 6.28
